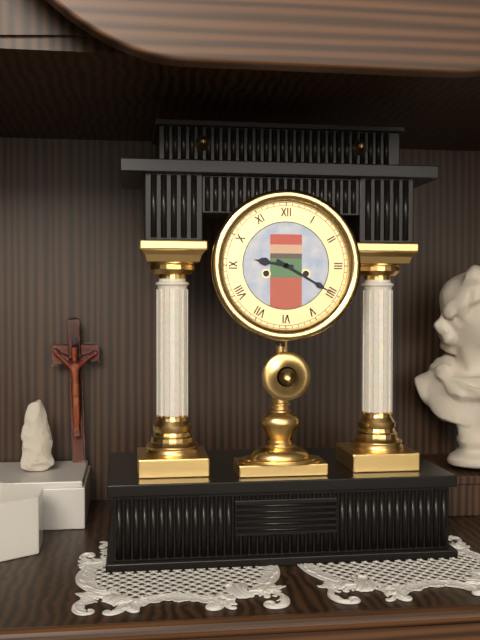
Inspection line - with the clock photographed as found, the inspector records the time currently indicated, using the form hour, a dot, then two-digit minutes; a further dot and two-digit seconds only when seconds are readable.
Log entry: 9.20
